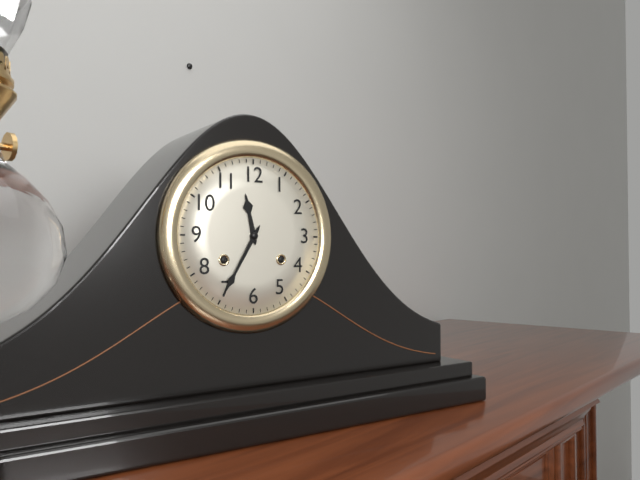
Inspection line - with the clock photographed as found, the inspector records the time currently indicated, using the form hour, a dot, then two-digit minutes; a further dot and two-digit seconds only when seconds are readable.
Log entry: 11.35
